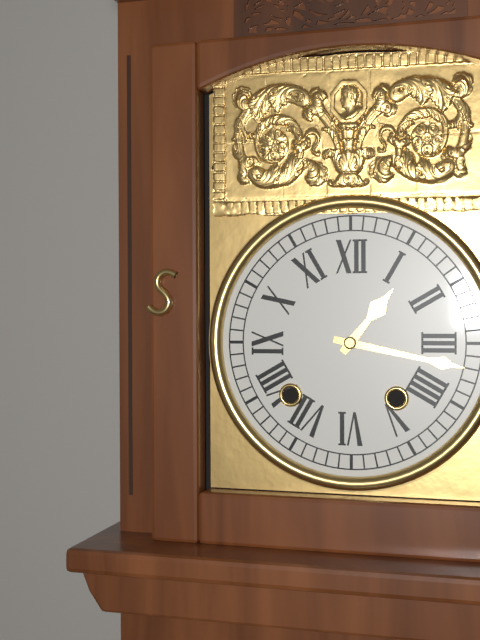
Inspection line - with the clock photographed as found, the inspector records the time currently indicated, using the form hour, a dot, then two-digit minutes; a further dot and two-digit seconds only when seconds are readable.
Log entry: 1.17
